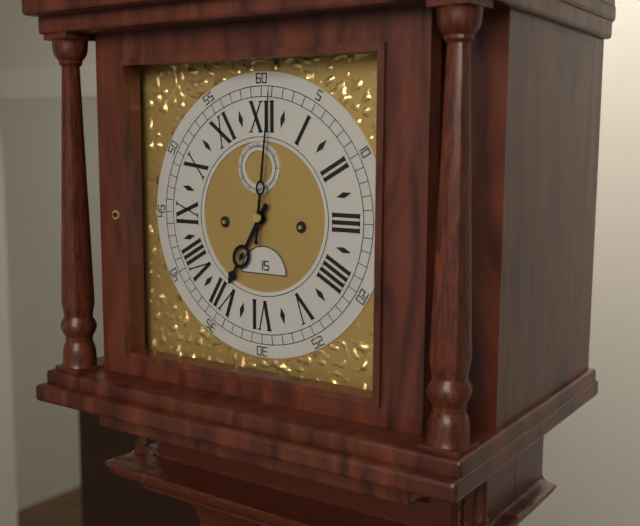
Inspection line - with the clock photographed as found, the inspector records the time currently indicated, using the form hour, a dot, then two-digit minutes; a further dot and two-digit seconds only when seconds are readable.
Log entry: 7.01
